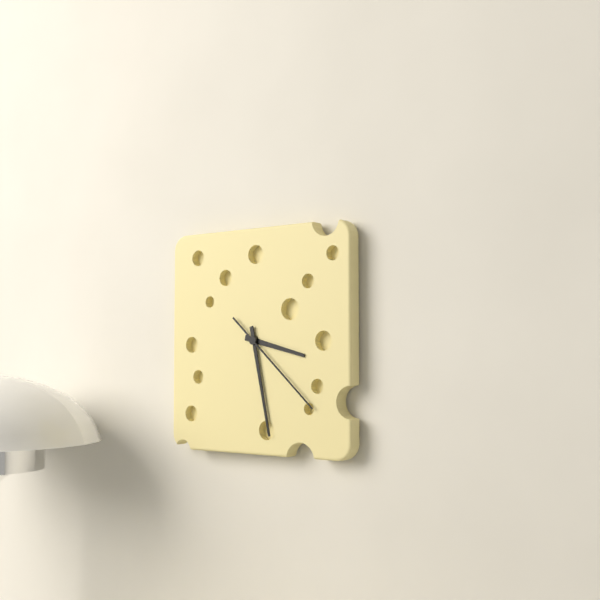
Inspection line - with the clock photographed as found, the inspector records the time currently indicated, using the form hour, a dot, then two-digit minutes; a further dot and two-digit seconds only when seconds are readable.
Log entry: 3.28.22
